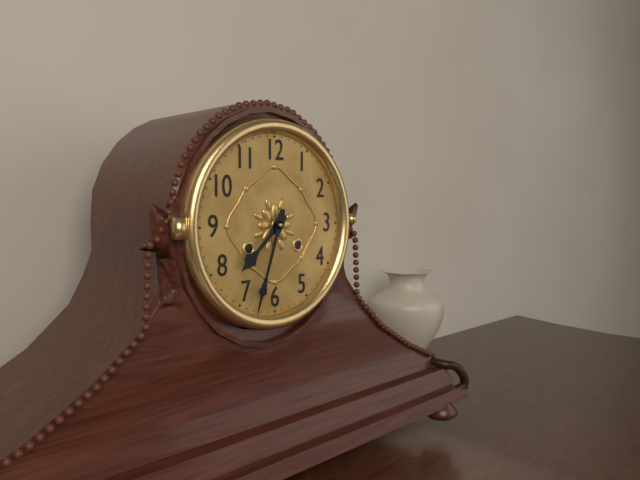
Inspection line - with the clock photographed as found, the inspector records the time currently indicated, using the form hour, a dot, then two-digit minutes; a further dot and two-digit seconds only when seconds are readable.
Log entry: 7.33
